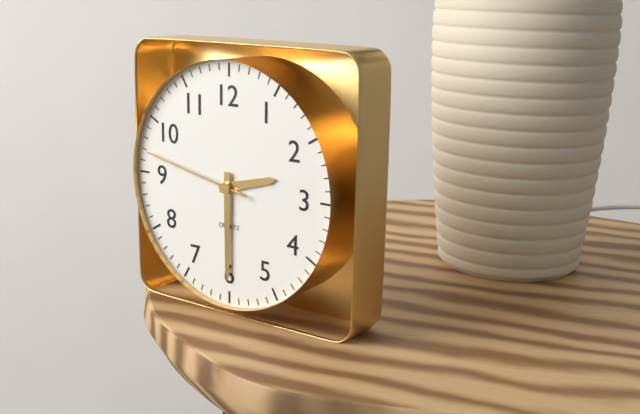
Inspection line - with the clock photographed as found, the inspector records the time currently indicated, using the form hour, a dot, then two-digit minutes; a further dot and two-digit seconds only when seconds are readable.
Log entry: 2.30.47
